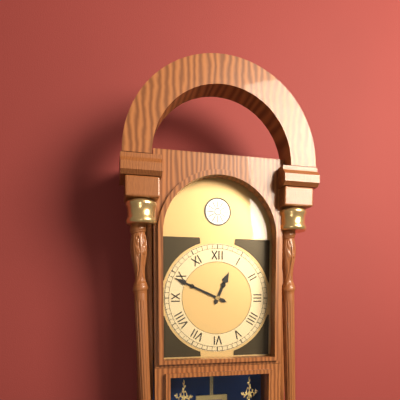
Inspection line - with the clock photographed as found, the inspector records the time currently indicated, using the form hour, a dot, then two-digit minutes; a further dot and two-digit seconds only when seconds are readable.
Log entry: 12.49
